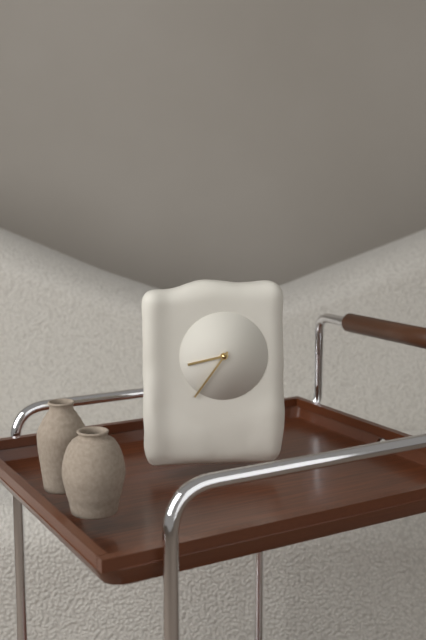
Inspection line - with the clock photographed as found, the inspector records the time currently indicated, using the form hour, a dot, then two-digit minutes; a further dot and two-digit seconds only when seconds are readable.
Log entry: 8.36
